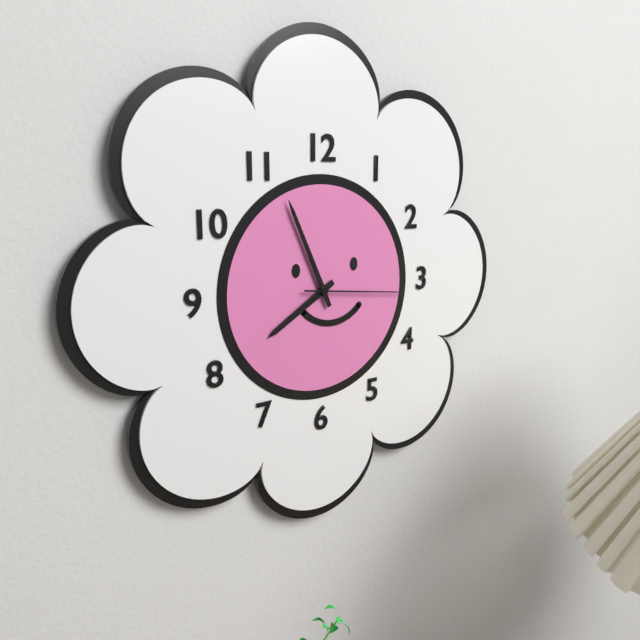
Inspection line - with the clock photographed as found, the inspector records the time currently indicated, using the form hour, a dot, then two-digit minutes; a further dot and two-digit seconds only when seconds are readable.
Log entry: 7.56.16
